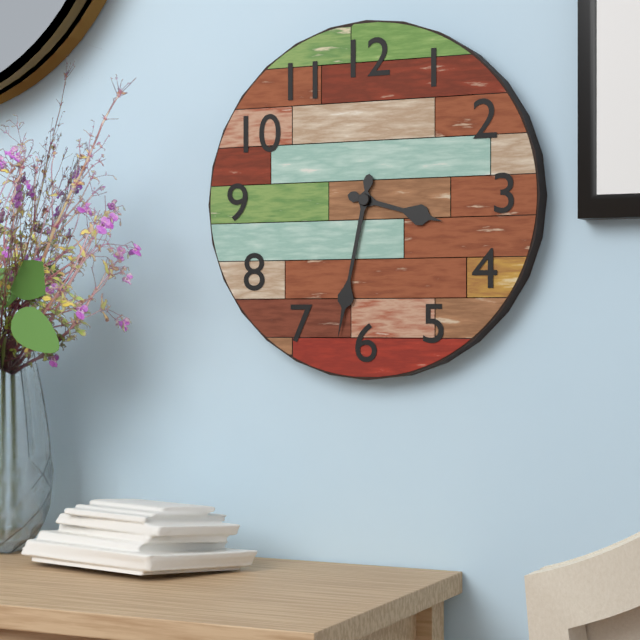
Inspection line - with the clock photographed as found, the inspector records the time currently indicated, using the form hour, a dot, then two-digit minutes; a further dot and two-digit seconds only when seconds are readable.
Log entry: 3.32
